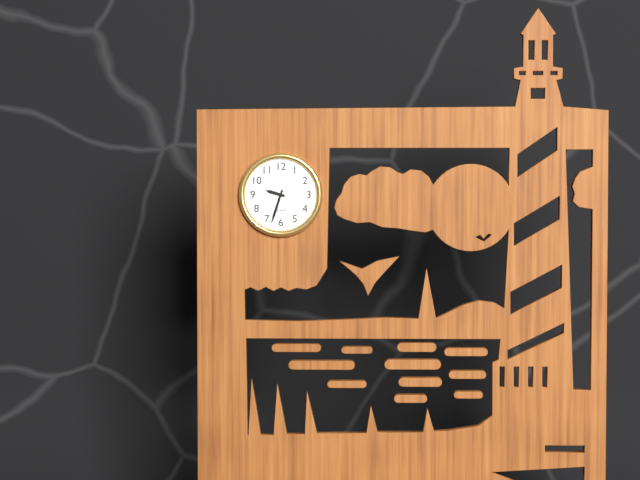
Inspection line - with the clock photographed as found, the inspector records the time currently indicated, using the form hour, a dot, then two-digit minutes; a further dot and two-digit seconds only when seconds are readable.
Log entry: 9.33
